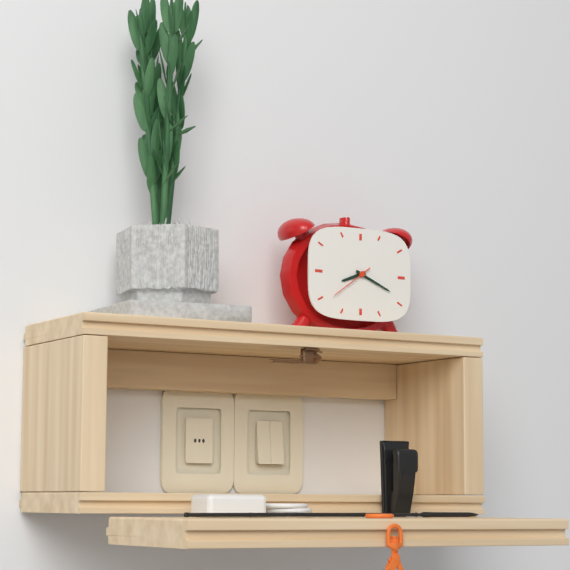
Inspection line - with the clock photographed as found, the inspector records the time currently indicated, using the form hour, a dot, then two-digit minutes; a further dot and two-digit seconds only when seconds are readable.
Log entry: 8.19
